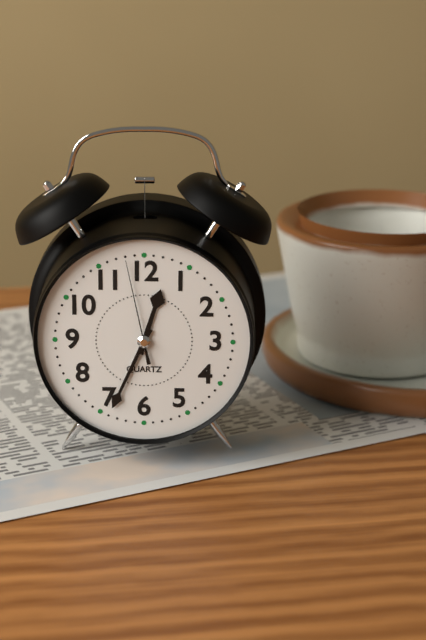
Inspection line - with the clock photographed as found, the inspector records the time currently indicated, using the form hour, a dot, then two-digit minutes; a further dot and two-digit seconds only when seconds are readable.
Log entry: 12.34.58
